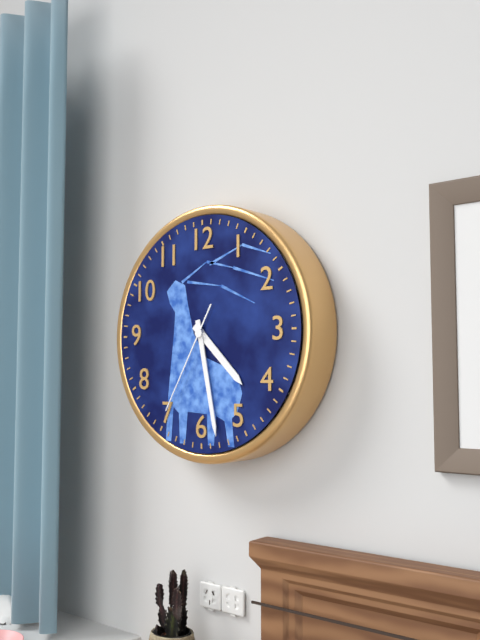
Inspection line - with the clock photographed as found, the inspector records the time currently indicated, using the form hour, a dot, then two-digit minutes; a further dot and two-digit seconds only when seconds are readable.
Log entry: 4.28.35
